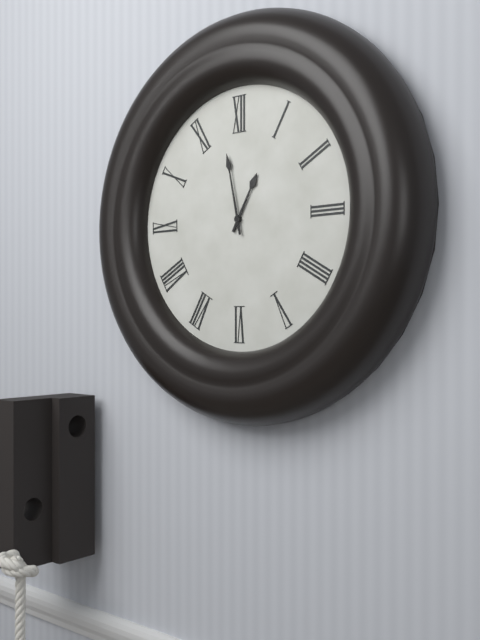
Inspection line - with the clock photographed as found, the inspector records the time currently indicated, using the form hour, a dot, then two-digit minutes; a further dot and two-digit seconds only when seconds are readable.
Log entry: 12.58
